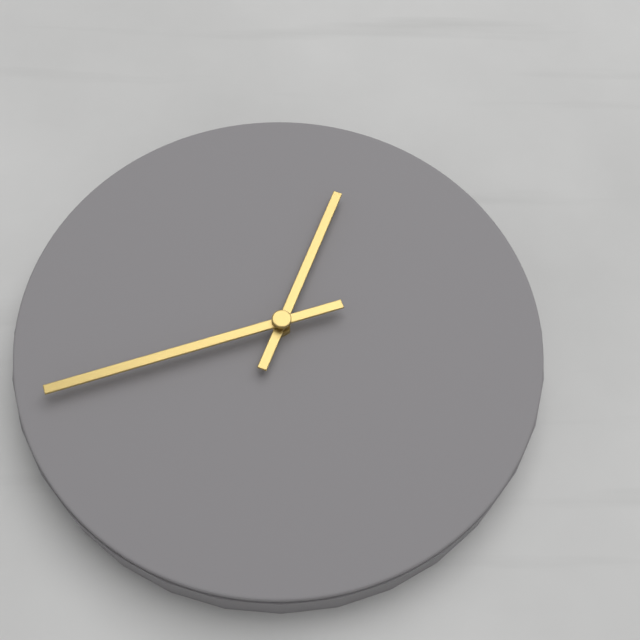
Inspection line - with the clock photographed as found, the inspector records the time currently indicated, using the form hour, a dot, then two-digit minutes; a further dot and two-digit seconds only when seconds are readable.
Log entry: 12.42
